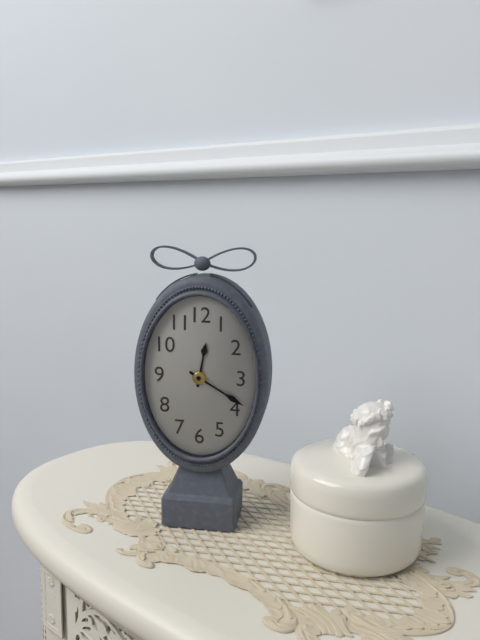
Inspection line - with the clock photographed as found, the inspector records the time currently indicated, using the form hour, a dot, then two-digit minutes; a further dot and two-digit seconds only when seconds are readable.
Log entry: 12.20
